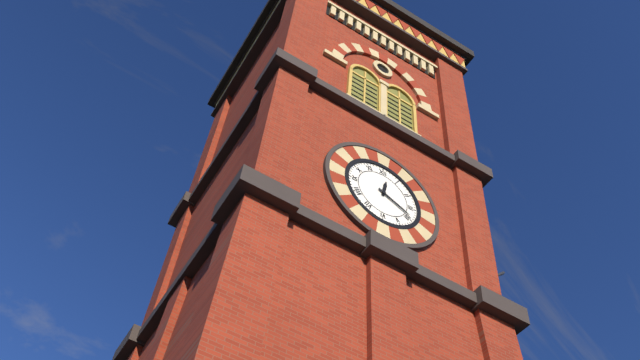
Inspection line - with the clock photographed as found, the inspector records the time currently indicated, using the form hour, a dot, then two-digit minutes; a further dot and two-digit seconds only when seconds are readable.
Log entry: 12.19
